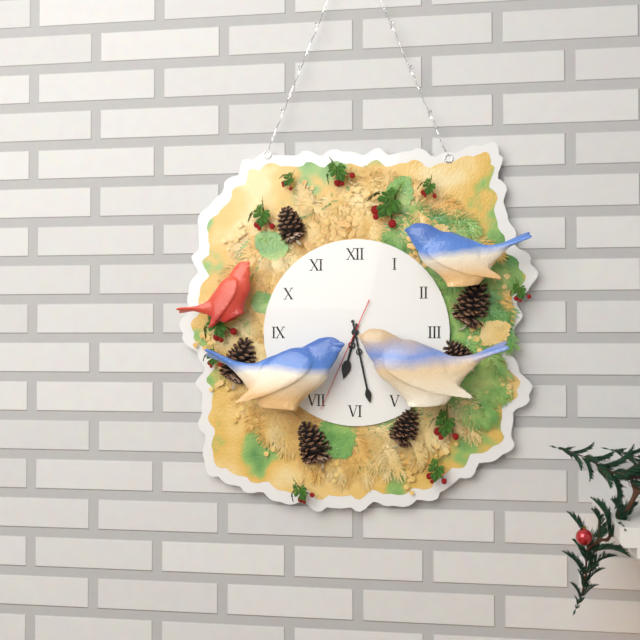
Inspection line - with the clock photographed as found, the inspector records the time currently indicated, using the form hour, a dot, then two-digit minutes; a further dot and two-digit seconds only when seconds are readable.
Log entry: 6.28.34
